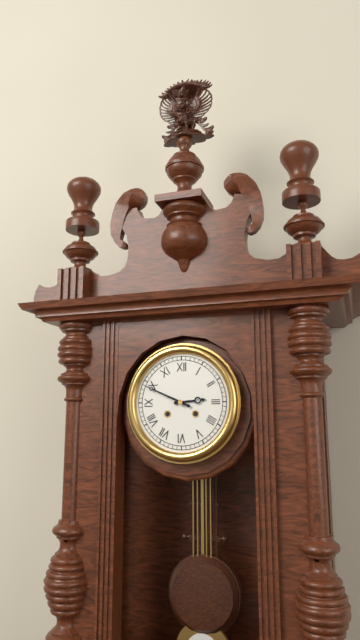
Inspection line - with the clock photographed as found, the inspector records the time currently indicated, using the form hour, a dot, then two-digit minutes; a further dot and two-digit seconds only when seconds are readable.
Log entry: 2.49
